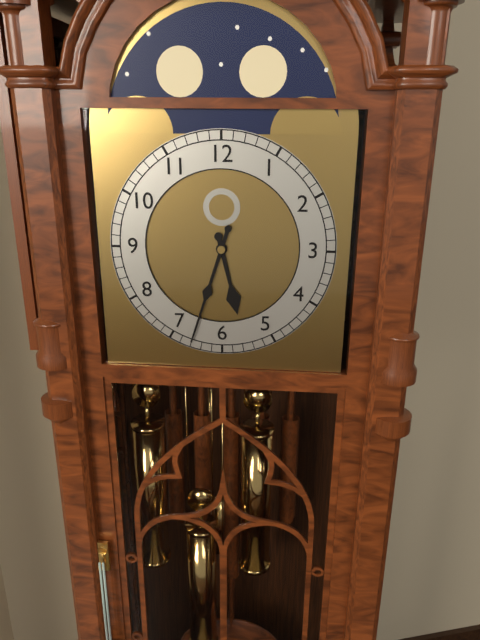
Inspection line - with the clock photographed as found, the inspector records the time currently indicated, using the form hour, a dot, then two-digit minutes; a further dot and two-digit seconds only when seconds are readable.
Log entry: 5.33
